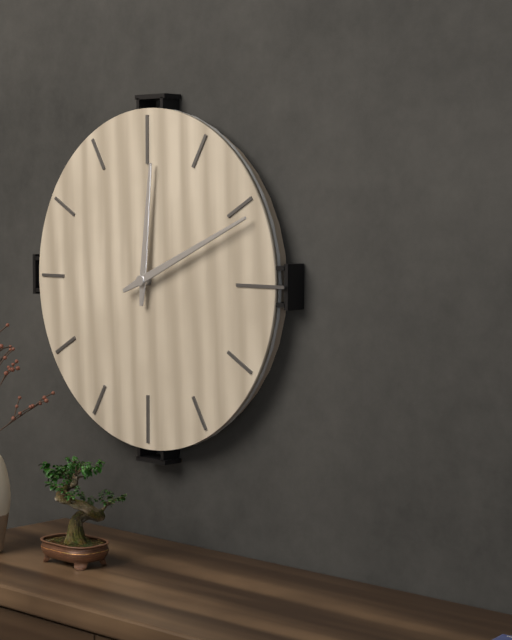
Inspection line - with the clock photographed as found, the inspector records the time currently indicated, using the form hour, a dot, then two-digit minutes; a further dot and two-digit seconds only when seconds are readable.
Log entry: 12.11
